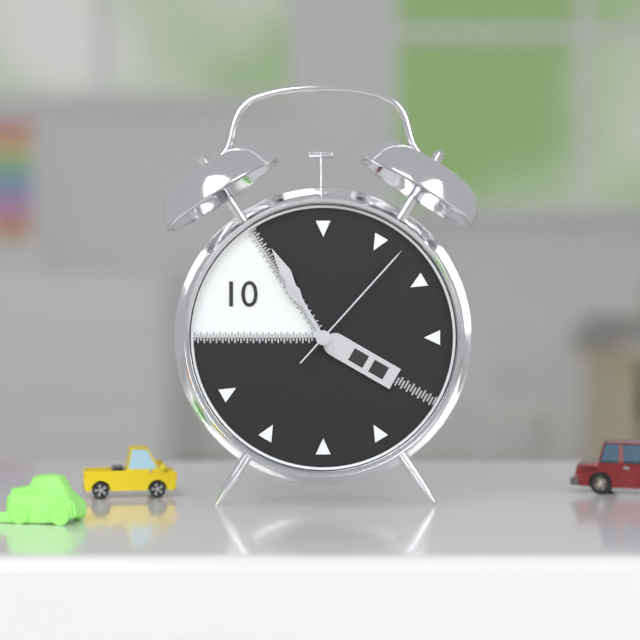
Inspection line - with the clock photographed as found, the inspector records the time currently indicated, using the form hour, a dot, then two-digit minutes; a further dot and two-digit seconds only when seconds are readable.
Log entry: 10.55.07
